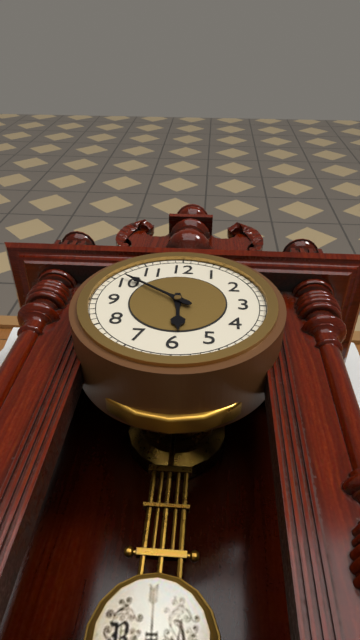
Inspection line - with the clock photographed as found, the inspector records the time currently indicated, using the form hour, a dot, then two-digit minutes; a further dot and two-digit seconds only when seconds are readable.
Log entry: 5.51
